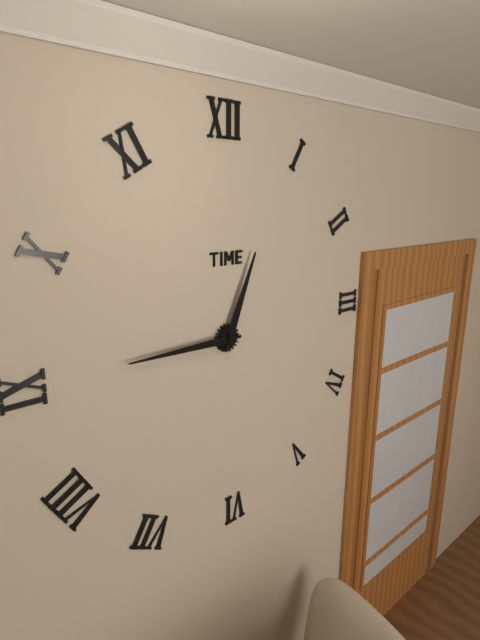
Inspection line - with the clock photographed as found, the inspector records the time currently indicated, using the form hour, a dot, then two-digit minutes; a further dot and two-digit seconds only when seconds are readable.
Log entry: 12.45
